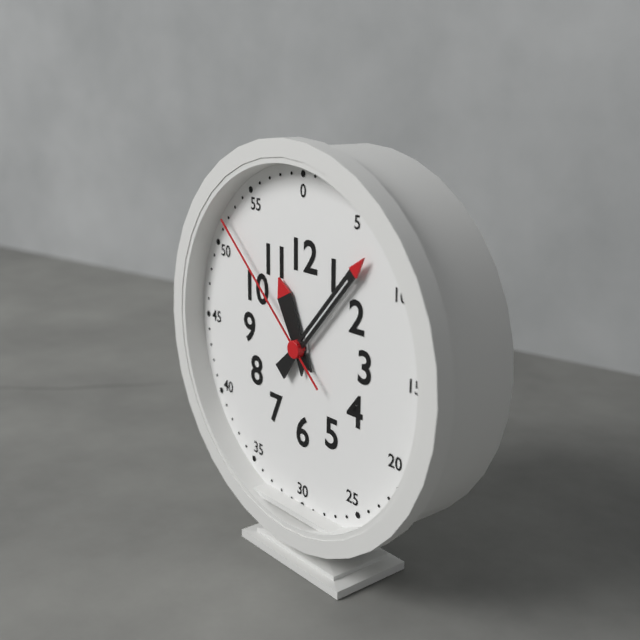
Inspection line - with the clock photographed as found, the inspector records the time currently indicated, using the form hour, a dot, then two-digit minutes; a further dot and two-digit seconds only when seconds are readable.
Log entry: 11.07.52
